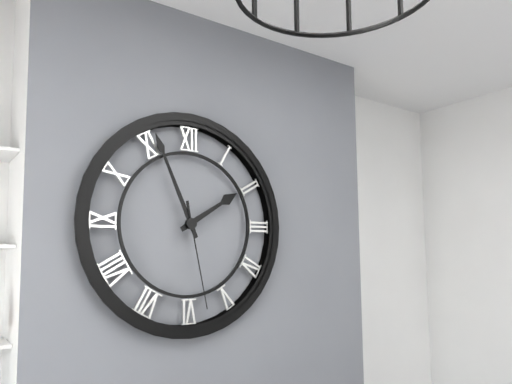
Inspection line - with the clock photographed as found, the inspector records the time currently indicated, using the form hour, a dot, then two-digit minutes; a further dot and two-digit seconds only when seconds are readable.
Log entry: 1.56.28
